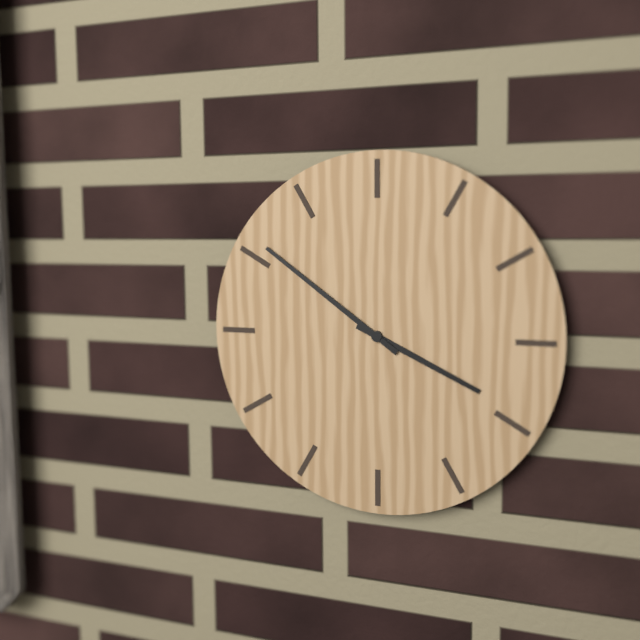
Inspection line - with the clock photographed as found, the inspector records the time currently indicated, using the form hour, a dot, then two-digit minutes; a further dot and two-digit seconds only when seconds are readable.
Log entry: 3.51
